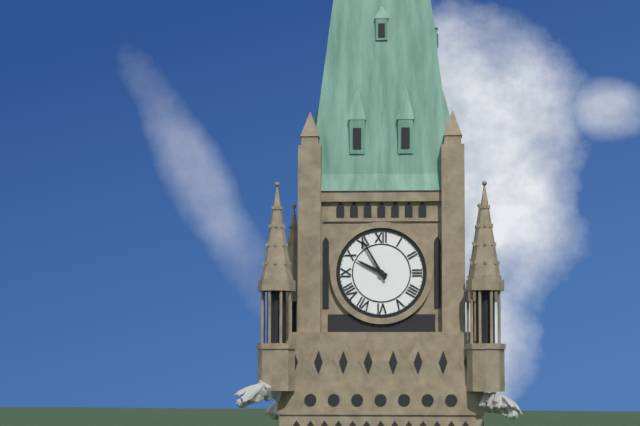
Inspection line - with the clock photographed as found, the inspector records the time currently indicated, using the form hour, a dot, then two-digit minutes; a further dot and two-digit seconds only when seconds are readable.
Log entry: 9.55
